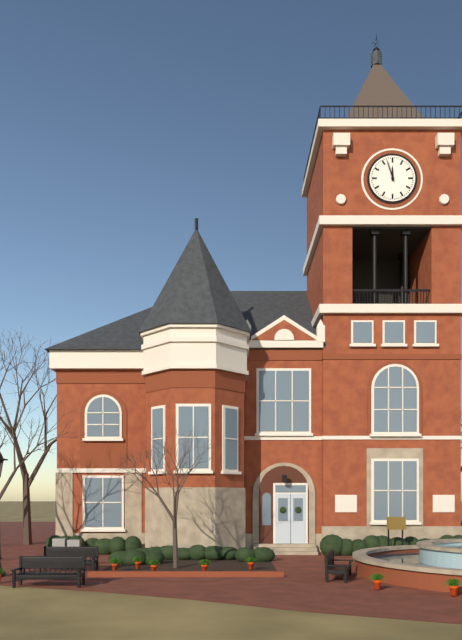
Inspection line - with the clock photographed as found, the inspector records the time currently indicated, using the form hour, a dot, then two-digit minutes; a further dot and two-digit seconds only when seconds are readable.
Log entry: 11.57
